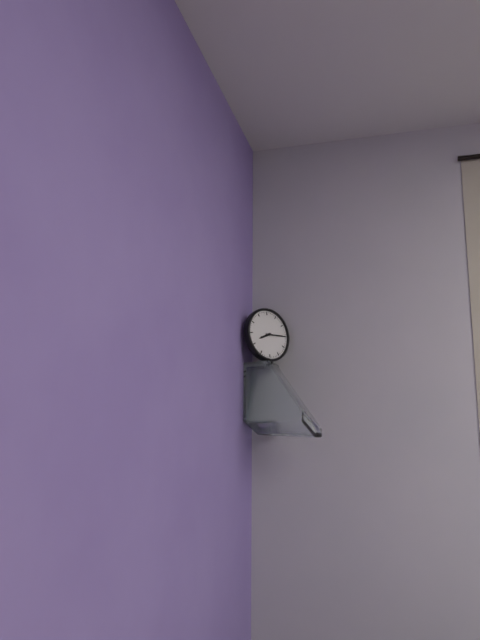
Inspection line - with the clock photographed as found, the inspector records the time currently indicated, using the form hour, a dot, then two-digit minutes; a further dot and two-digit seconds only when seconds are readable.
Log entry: 8.15
